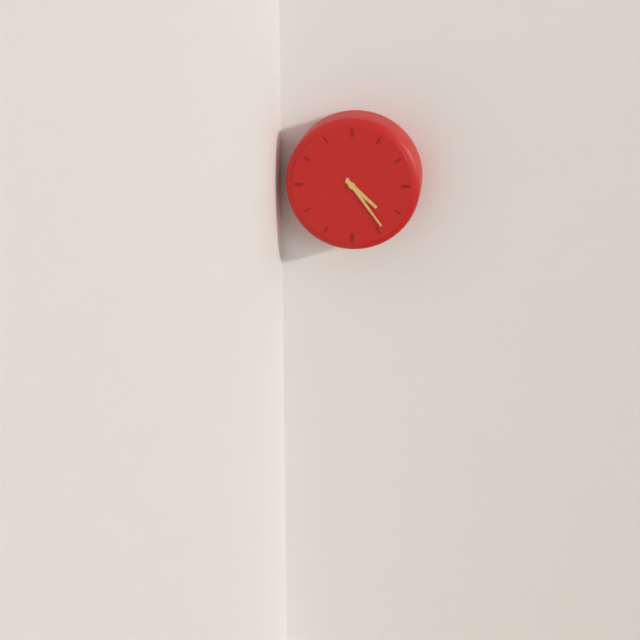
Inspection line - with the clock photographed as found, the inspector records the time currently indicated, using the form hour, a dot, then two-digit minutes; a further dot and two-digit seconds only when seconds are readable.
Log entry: 4.24
